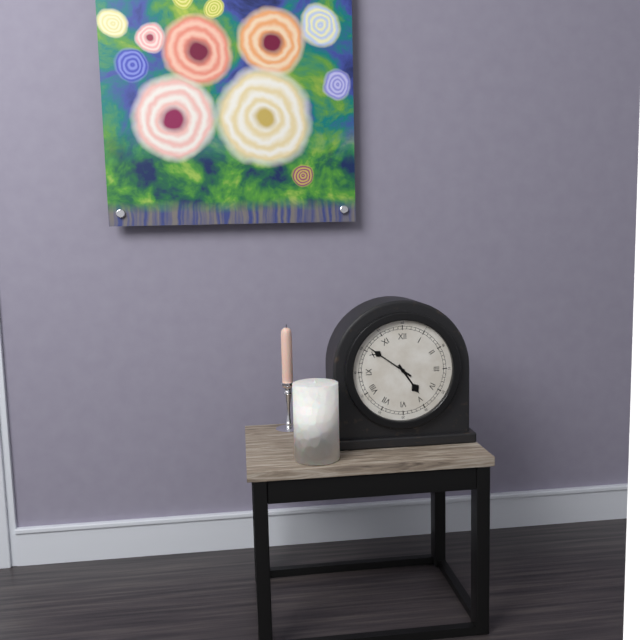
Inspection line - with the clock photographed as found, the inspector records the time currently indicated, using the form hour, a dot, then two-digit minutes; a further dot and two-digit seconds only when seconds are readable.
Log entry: 4.51
